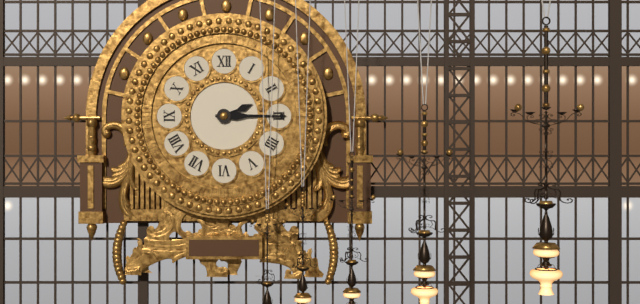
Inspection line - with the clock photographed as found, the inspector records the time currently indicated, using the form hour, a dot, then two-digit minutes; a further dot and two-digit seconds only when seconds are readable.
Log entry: 2.15
